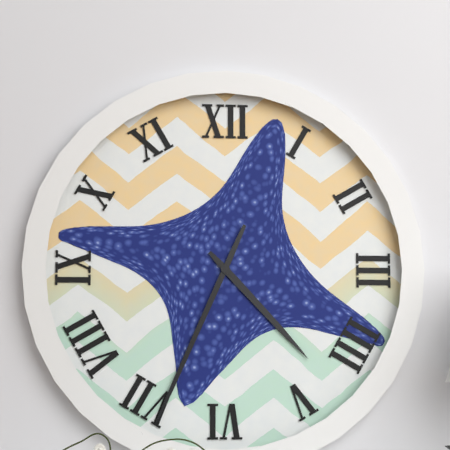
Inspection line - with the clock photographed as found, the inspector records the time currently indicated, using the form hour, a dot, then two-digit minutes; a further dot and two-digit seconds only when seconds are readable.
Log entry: 4.34
